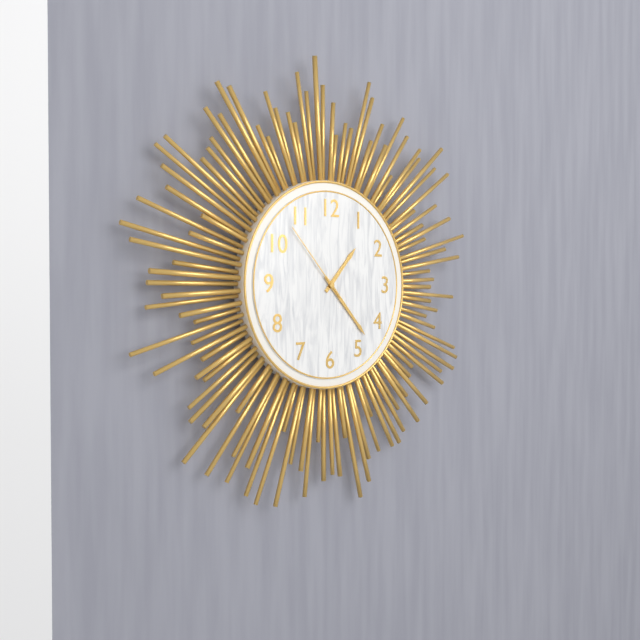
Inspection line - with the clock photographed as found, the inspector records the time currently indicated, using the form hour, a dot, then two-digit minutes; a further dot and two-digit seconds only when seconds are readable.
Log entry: 1.23.53
